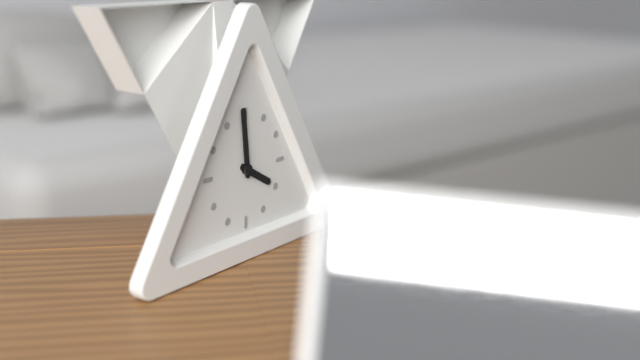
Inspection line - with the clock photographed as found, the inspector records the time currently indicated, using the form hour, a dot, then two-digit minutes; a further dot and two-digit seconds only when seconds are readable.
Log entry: 3.59
